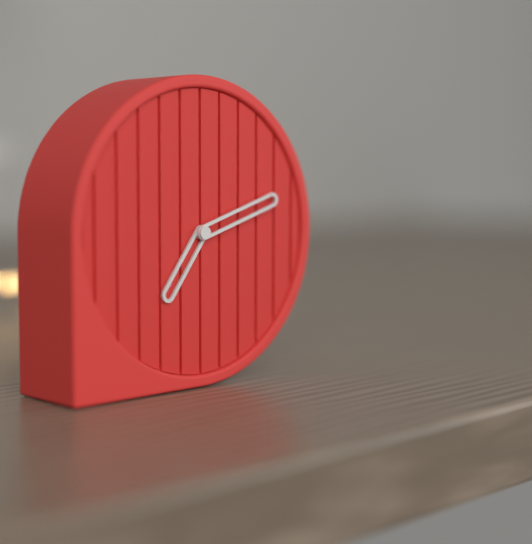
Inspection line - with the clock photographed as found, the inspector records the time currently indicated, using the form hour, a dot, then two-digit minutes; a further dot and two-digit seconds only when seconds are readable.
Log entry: 7.12
